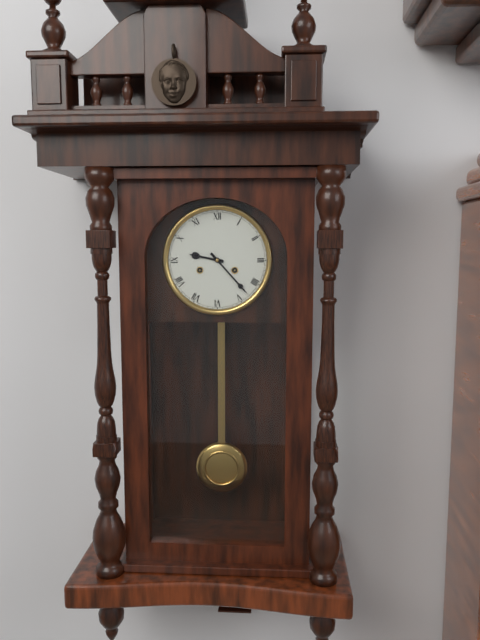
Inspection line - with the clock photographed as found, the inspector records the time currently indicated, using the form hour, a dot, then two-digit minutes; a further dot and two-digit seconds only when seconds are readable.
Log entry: 9.23
